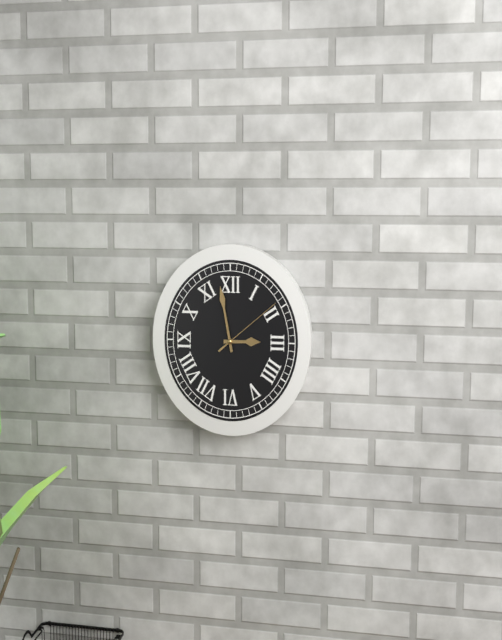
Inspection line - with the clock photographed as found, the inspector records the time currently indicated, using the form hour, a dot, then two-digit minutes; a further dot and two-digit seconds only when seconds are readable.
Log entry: 2.58.09
